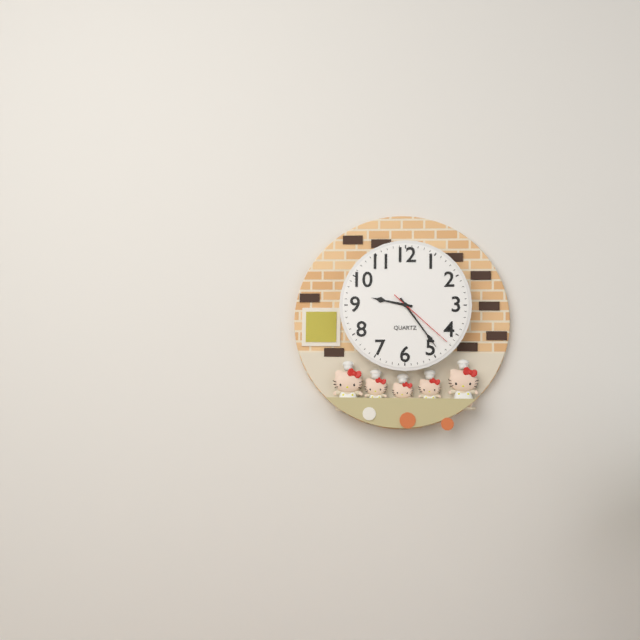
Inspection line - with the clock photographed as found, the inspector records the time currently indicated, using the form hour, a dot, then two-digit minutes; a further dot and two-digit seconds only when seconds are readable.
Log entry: 9.24.22
